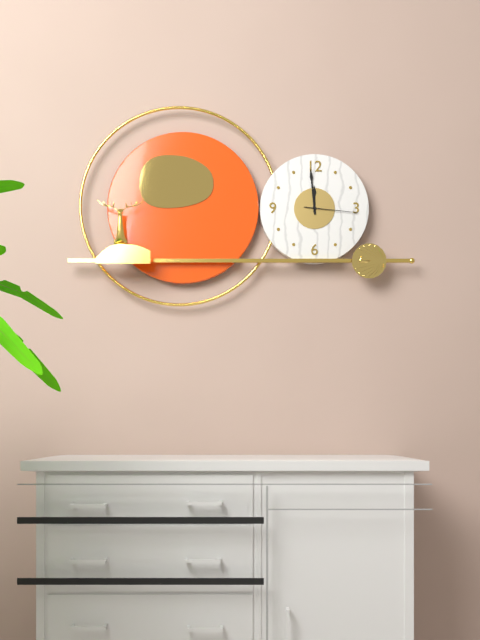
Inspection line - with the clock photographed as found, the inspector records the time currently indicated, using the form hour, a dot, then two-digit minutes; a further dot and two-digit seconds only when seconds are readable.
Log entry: 11.59.16
